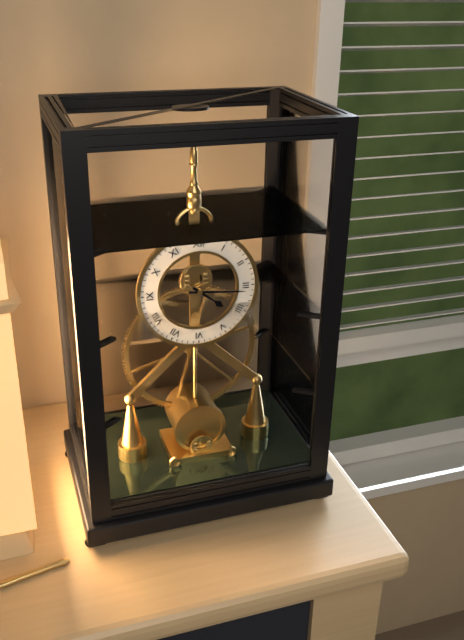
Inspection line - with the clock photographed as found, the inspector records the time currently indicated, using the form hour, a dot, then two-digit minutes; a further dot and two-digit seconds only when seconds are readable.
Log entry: 4.16
